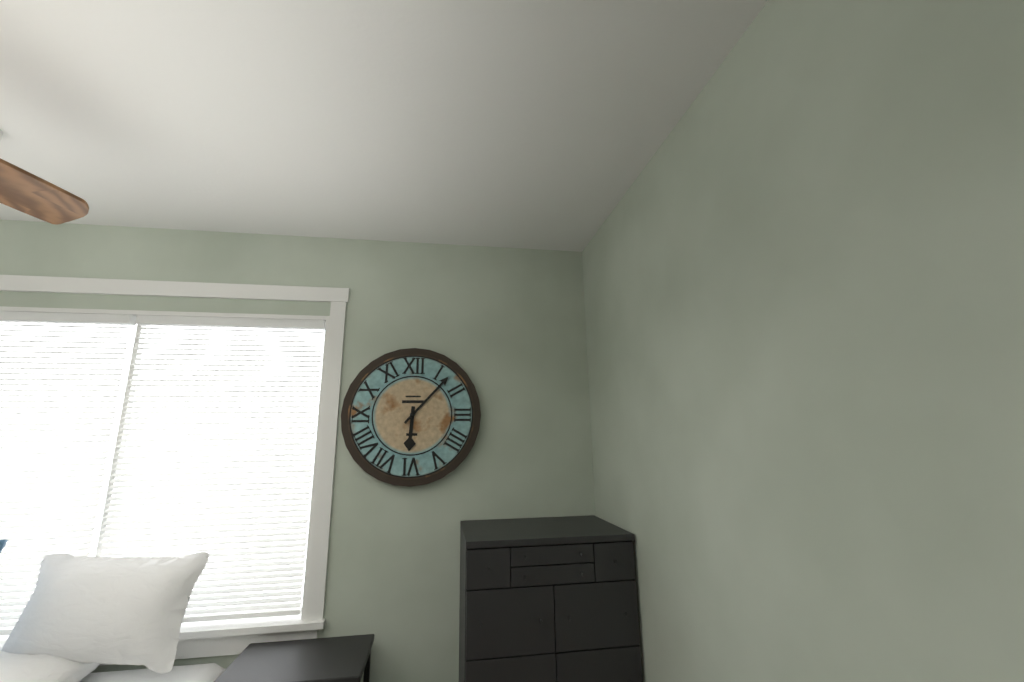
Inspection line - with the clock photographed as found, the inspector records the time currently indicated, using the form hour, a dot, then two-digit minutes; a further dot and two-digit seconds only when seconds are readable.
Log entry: 6.07
